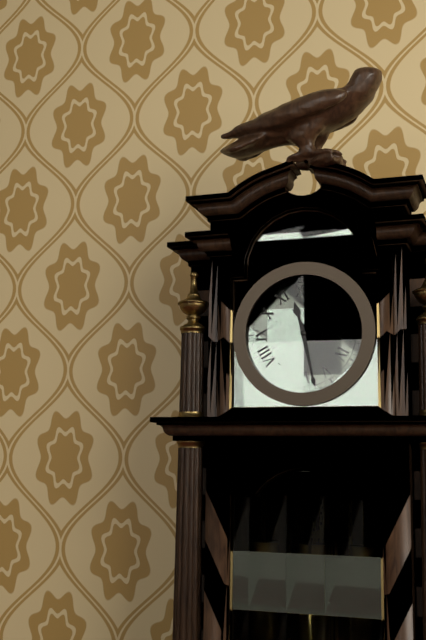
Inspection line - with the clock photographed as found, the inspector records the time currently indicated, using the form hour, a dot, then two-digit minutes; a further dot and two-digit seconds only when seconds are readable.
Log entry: 11.28
